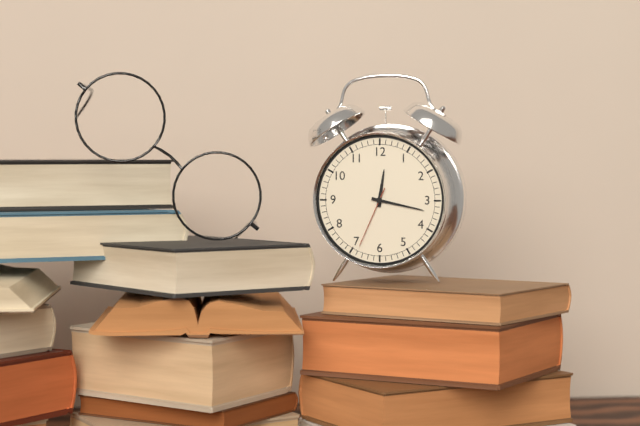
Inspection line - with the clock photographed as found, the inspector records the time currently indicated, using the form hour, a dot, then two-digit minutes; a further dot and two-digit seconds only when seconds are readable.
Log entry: 12.17.34
